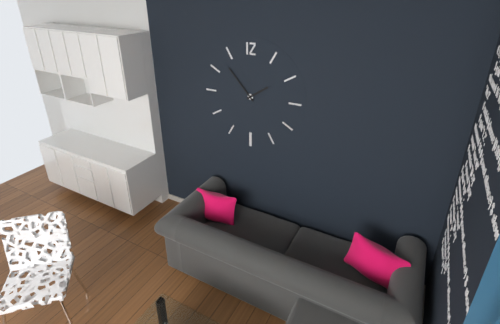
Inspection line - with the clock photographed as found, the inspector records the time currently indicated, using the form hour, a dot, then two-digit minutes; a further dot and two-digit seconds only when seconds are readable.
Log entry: 1.53
